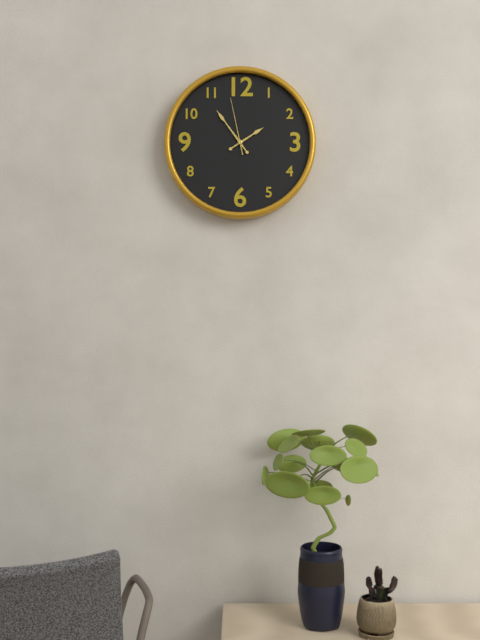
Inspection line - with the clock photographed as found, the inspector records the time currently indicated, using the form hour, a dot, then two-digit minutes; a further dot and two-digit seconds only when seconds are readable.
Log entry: 1.54.58
